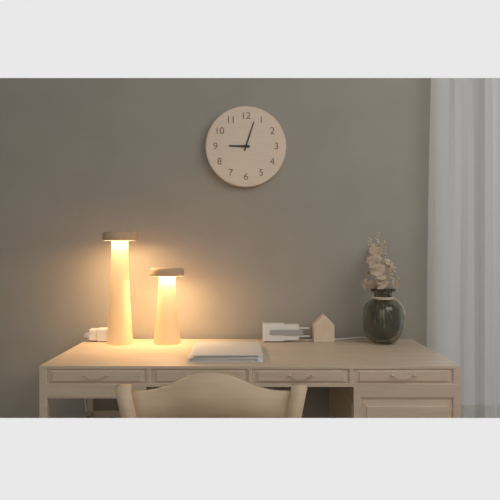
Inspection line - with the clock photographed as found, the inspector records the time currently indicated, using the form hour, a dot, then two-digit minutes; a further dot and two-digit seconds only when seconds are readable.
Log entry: 9.03
